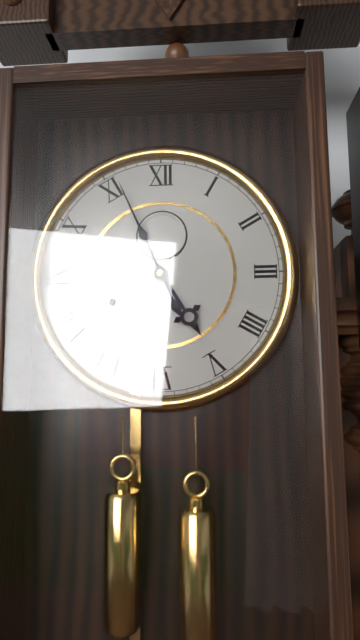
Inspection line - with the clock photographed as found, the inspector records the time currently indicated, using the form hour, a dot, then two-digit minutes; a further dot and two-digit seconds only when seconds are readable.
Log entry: 4.56
